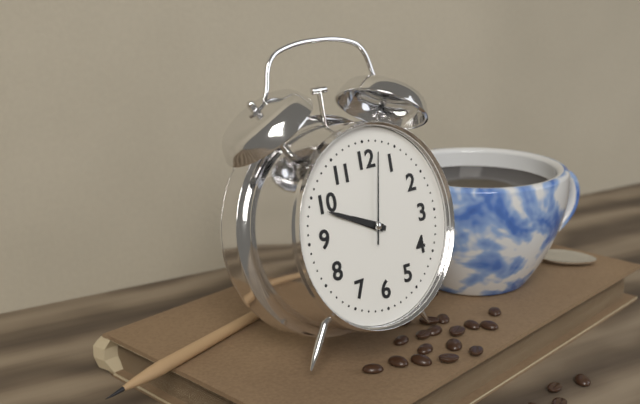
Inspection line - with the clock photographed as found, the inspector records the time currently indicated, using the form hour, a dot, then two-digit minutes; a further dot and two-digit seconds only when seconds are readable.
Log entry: 9.49.02
